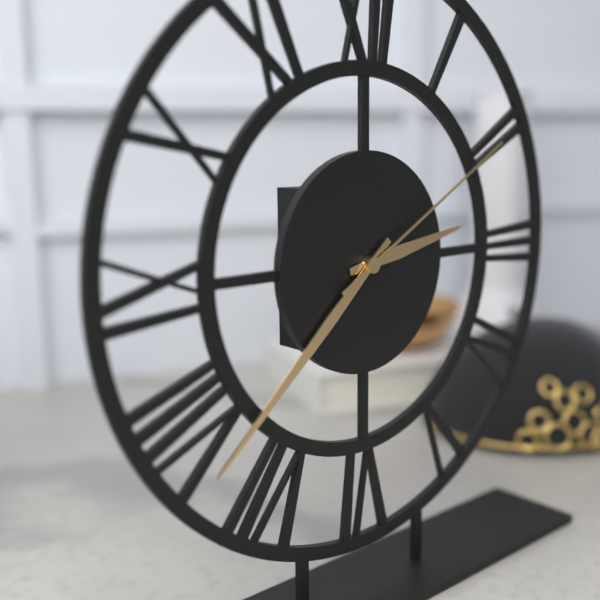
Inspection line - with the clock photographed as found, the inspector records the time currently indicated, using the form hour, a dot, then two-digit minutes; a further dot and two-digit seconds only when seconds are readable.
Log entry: 2.38.10
